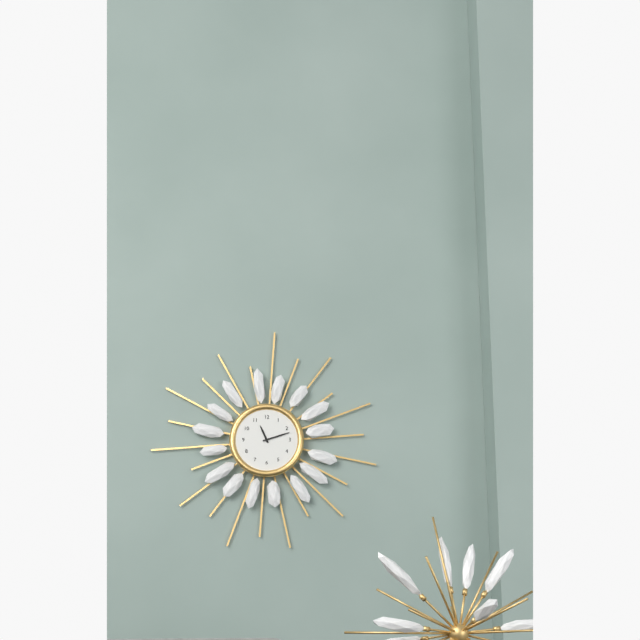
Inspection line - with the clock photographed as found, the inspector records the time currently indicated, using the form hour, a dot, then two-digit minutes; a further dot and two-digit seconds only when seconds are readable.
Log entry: 11.12
